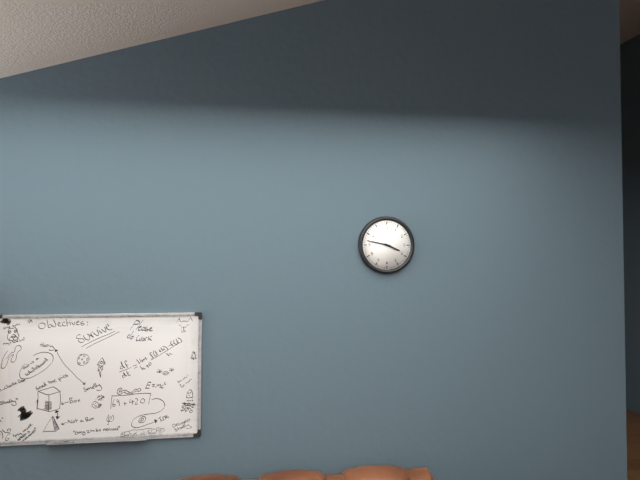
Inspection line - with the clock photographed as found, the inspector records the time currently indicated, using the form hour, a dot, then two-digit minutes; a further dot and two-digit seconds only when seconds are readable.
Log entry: 3.47
